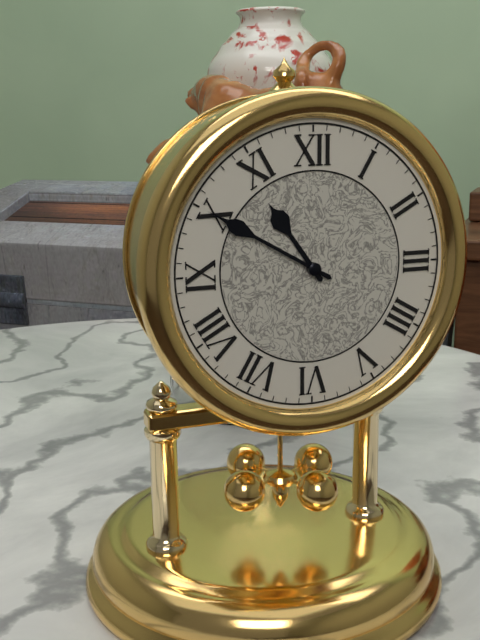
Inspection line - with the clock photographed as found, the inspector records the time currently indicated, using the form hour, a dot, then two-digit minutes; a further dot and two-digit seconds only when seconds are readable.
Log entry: 10.50
